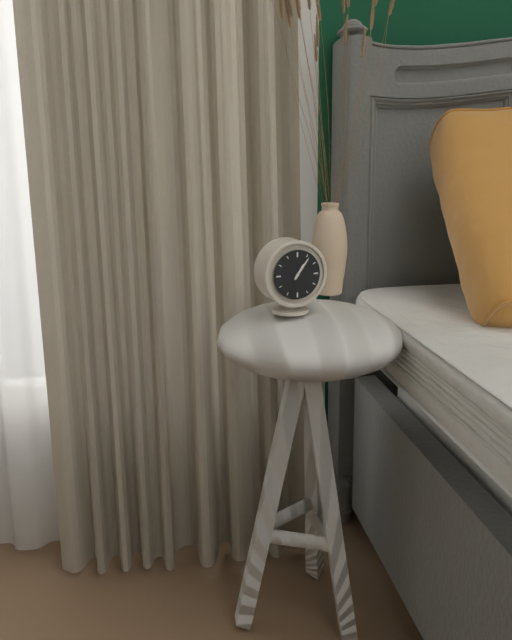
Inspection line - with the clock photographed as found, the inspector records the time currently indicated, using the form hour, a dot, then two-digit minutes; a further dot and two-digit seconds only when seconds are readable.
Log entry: 1.06
